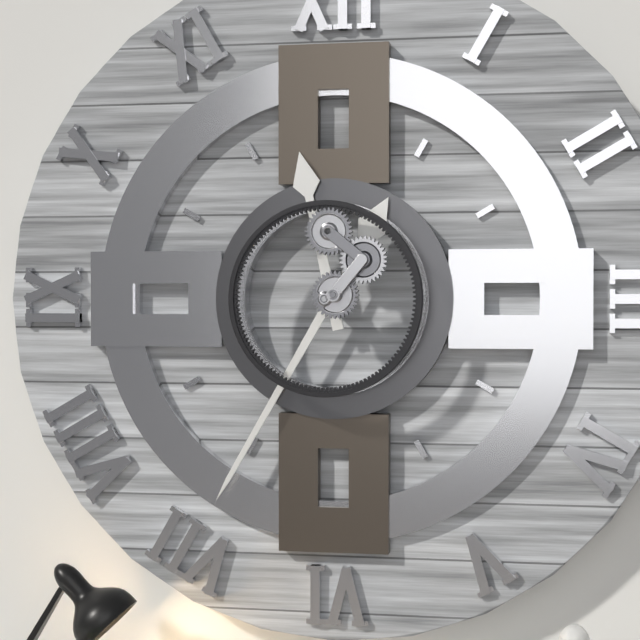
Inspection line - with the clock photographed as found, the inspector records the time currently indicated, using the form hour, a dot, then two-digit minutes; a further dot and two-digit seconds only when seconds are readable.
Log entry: 11.35
